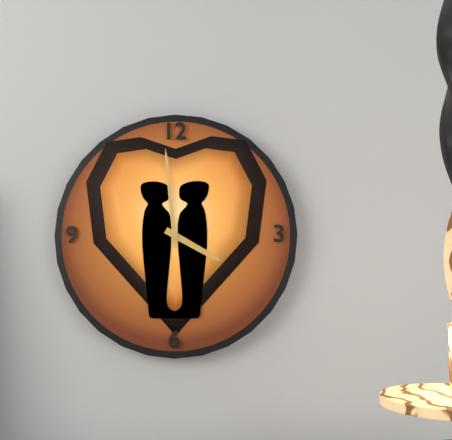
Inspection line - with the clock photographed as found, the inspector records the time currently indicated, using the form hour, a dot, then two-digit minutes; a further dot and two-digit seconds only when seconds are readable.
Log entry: 3.59
